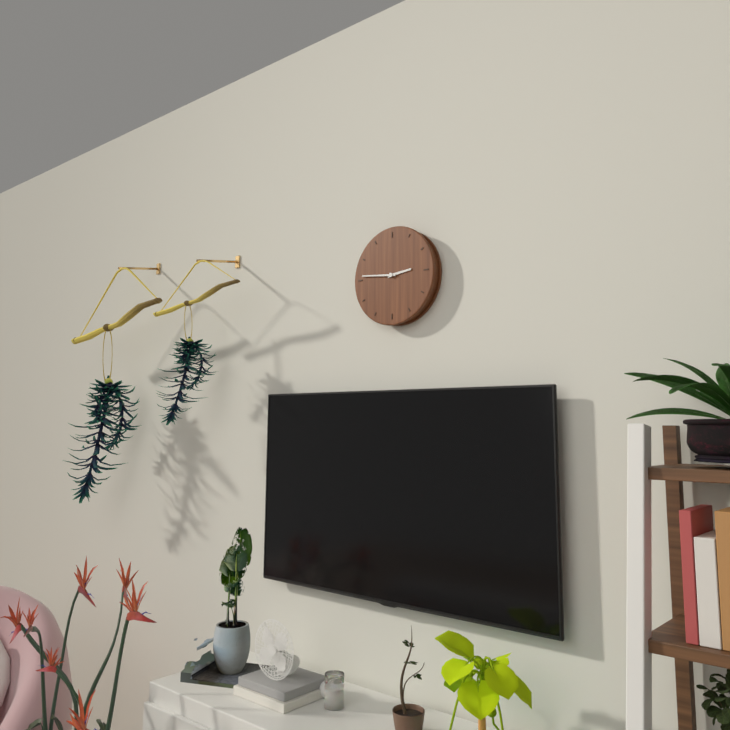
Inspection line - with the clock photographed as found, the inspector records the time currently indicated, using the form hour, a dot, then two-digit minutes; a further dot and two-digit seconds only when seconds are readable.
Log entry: 2.46
